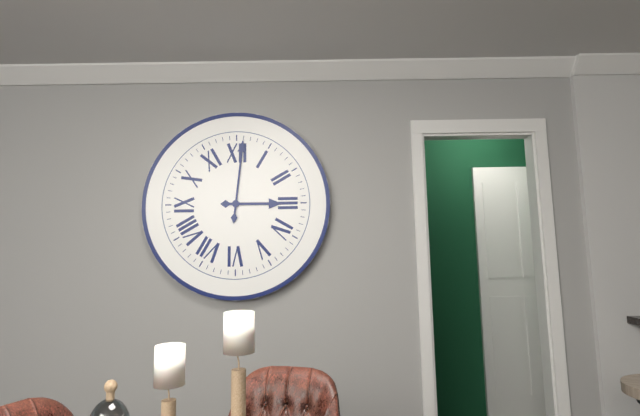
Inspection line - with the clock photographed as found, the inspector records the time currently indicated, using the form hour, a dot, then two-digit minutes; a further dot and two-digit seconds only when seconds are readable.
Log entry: 3.01
